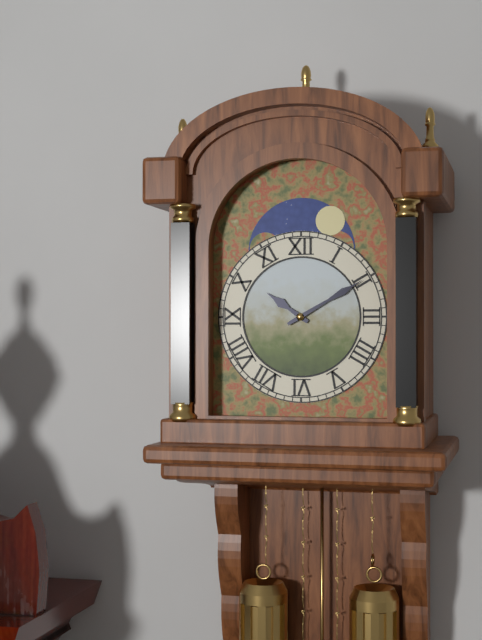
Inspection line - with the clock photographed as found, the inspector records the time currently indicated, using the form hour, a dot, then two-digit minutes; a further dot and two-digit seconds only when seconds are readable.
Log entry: 10.10
